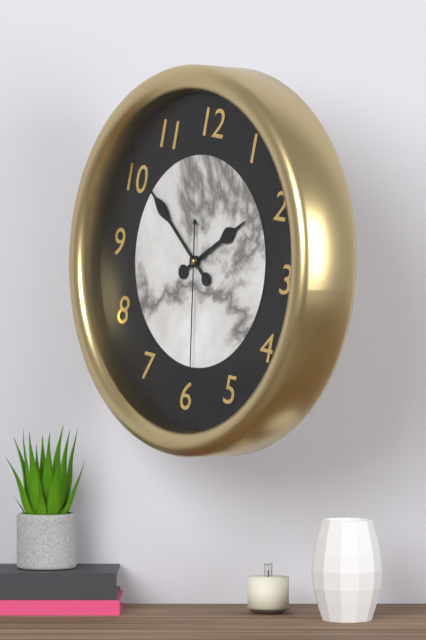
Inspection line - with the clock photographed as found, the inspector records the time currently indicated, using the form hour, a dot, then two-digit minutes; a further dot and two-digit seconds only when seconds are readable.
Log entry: 1.51.29
